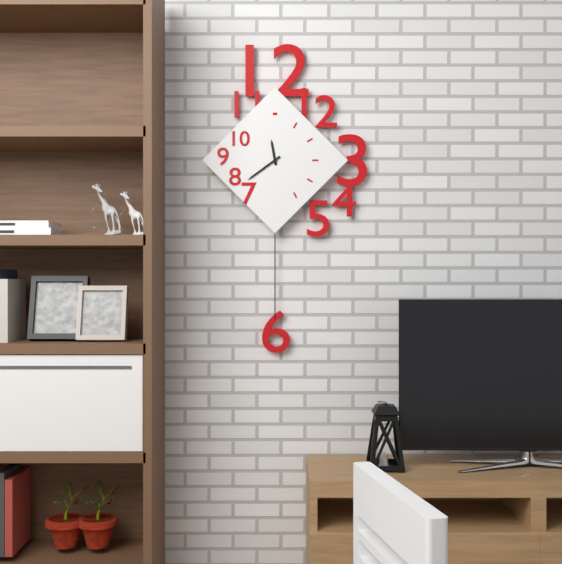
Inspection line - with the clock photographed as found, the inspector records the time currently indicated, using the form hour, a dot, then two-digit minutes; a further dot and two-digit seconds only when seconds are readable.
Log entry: 11.39
